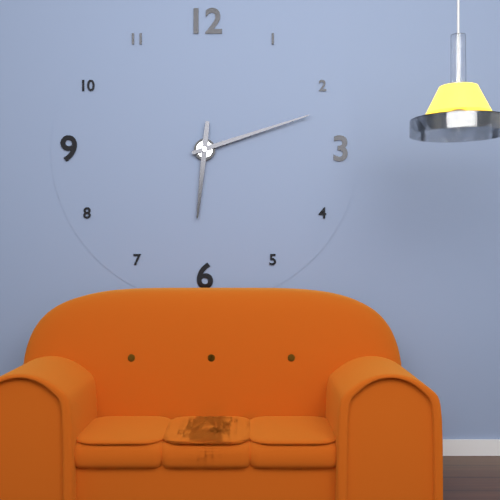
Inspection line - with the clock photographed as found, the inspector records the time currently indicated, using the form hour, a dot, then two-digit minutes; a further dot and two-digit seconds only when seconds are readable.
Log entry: 6.12
